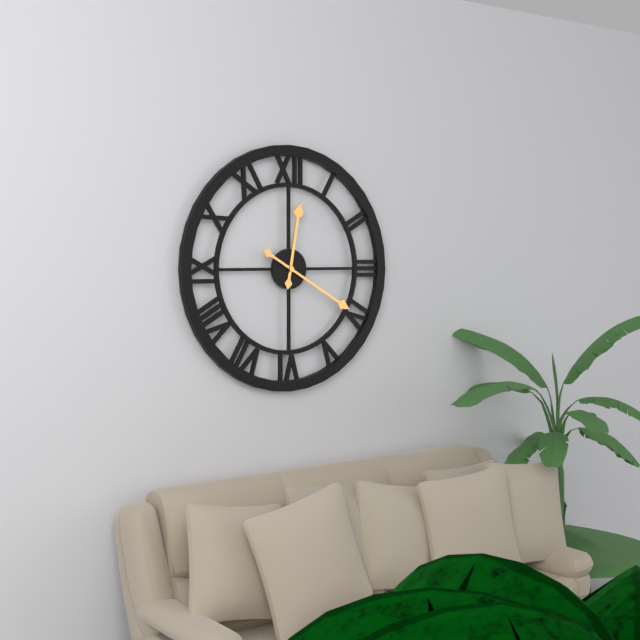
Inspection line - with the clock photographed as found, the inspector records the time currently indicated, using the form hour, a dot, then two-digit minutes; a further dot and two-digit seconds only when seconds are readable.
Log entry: 12.20
